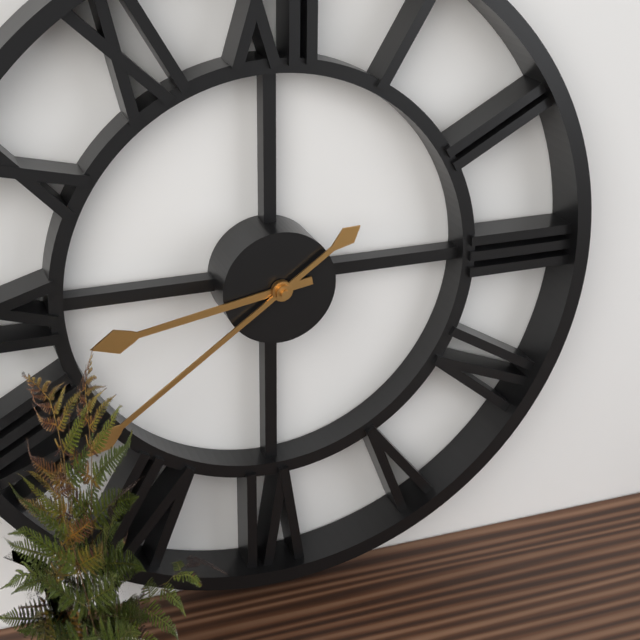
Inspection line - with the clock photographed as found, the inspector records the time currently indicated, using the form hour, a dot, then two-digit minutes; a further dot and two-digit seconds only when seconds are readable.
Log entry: 8.39
